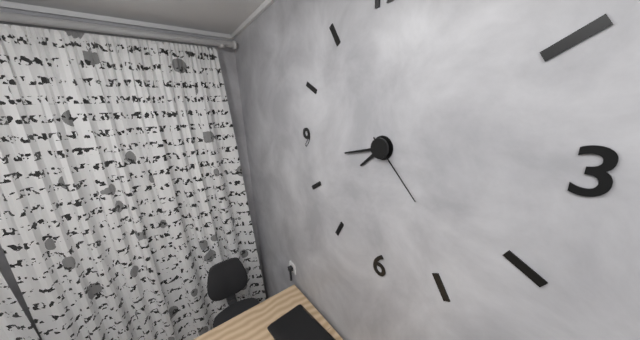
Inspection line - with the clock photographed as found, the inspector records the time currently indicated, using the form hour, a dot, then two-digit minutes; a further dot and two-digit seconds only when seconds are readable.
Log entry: 7.43.23
